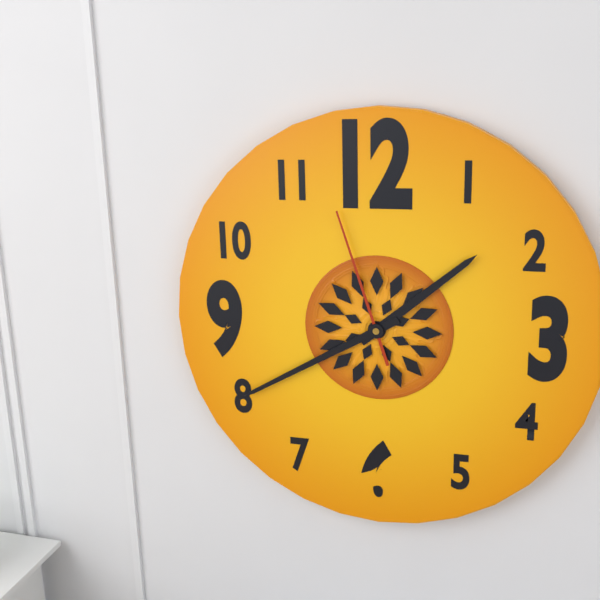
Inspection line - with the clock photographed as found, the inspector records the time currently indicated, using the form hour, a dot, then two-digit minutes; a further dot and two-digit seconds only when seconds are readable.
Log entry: 1.40.57
